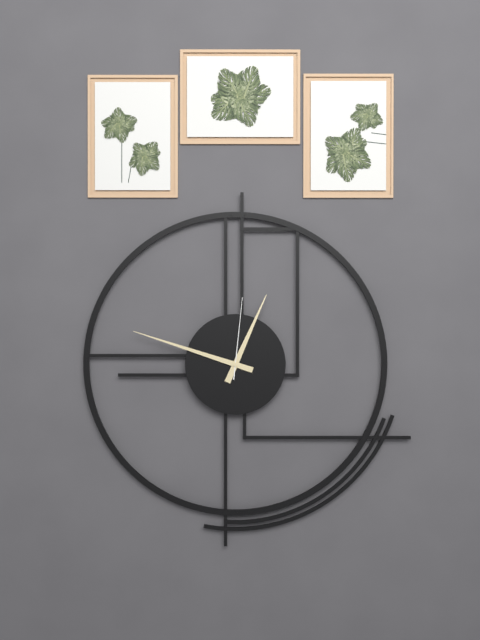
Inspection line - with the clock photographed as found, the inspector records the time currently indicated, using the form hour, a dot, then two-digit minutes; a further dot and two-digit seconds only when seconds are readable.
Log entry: 12.48.01
